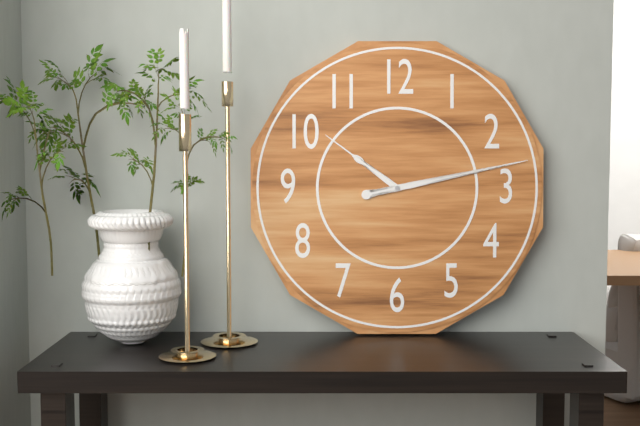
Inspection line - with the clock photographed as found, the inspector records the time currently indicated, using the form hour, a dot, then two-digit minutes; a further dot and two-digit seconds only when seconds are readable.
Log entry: 10.13
